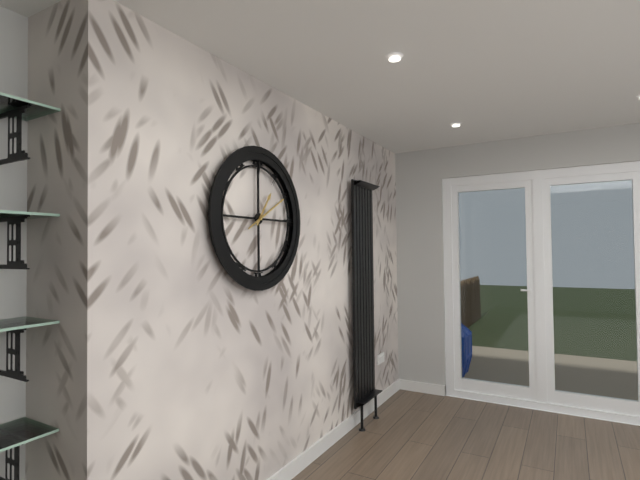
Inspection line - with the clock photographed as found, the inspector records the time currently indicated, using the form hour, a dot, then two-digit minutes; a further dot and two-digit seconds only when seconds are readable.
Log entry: 1.10
